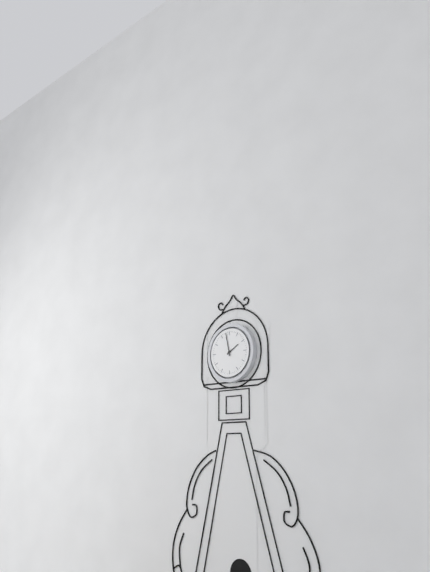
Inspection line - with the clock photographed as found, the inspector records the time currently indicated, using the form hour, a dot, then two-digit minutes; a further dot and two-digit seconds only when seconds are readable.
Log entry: 1.58
